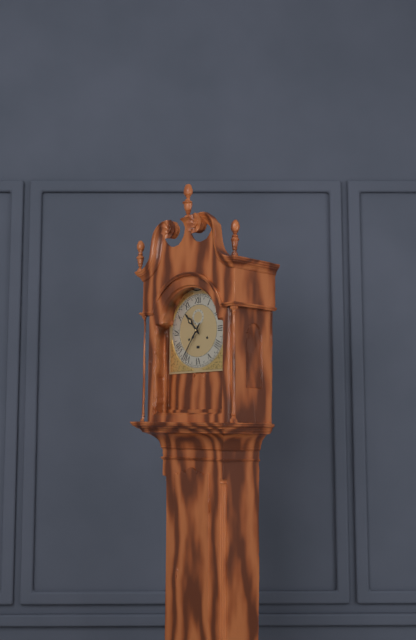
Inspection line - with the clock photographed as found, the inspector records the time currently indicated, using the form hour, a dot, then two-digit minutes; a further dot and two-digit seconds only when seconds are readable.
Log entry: 10.36
